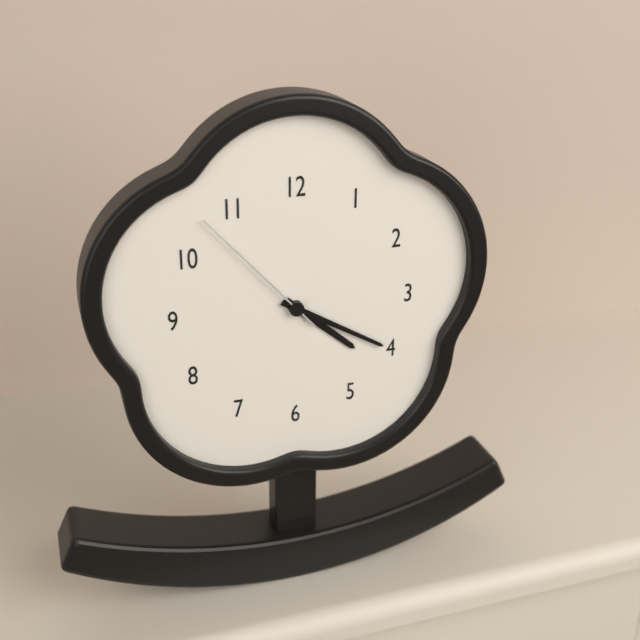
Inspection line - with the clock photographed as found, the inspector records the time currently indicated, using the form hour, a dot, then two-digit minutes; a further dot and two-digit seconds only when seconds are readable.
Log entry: 4.20.53
